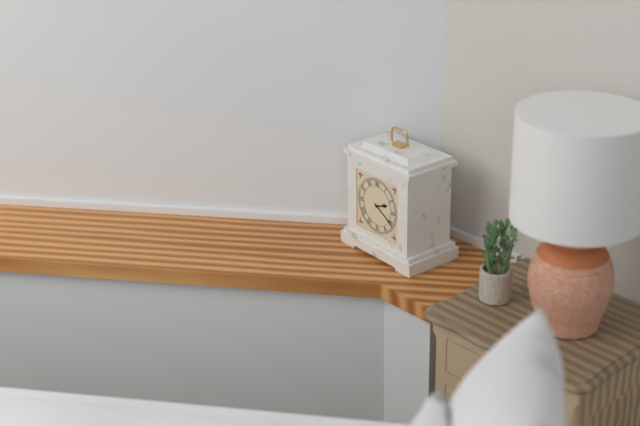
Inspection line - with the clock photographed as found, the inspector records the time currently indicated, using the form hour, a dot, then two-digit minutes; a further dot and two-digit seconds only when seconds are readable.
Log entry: 2.20
